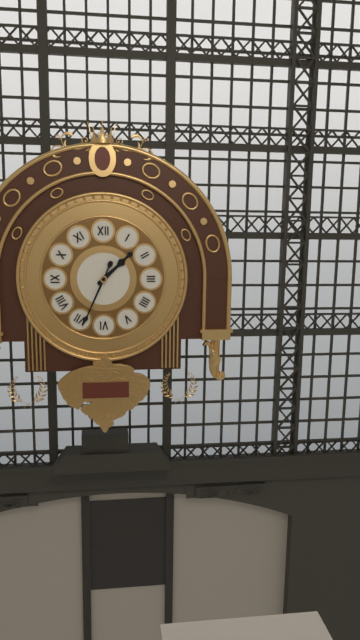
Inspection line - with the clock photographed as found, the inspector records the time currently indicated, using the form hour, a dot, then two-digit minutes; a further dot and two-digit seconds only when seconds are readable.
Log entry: 1.34
